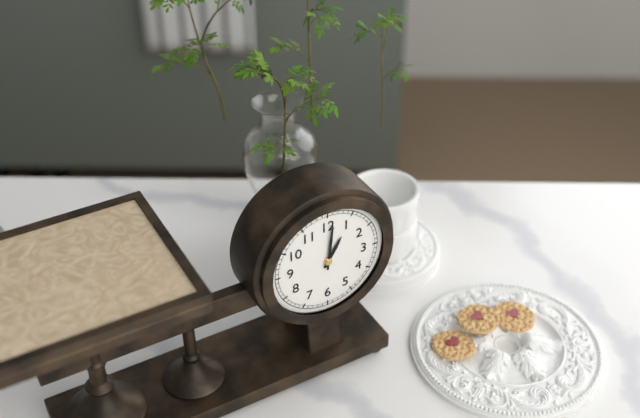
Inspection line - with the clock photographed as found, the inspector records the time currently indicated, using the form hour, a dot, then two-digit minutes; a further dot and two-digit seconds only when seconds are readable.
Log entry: 1.01
